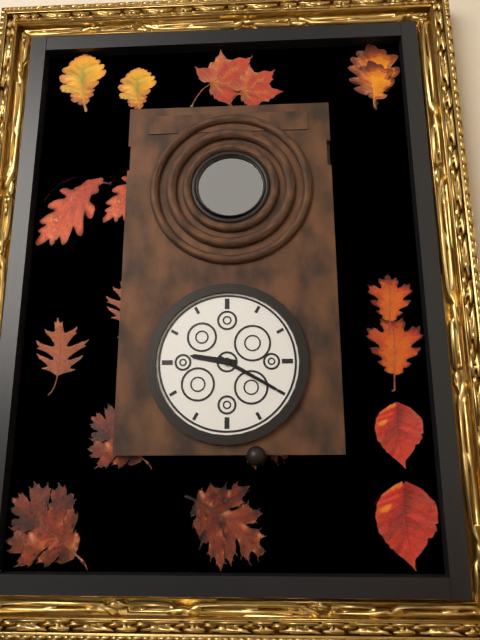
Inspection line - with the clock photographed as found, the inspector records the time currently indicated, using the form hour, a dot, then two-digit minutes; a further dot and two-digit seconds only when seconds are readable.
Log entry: 9.20
